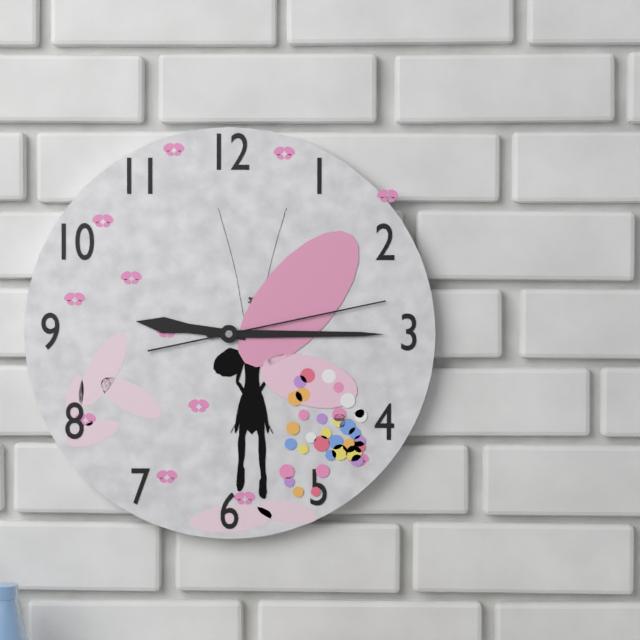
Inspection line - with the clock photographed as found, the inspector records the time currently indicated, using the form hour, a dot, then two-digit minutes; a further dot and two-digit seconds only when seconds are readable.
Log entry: 9.15.13
